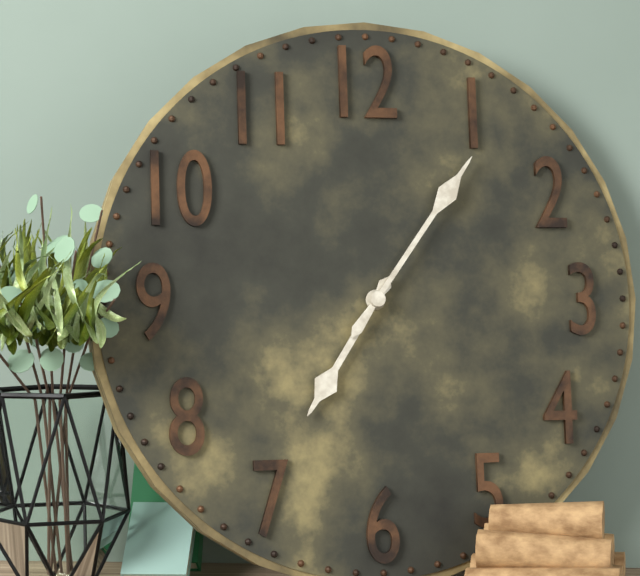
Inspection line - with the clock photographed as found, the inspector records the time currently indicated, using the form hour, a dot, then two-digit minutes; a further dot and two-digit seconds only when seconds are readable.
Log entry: 7.06
